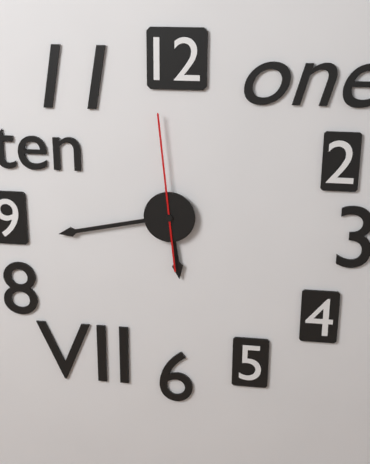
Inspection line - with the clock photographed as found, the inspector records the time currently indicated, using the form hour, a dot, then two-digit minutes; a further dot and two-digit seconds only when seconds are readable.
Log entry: 5.43.59
